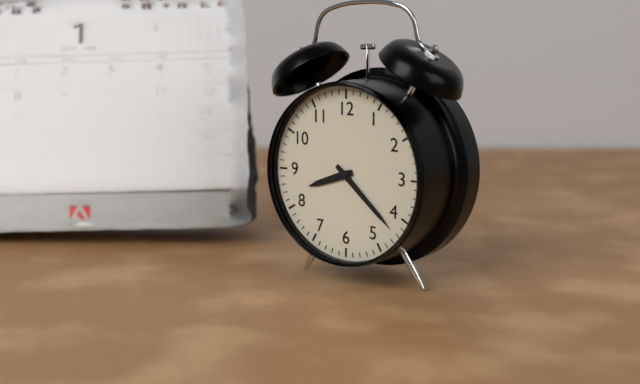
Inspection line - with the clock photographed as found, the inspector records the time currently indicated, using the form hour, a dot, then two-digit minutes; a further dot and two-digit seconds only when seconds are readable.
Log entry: 8.22
